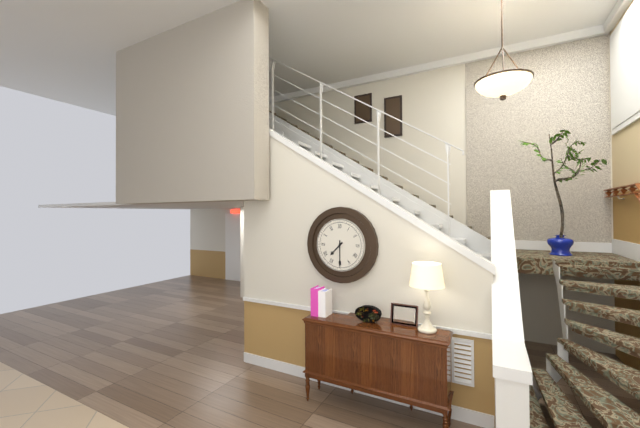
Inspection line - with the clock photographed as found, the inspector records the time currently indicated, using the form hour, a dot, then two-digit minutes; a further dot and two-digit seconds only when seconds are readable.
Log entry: 7.30
